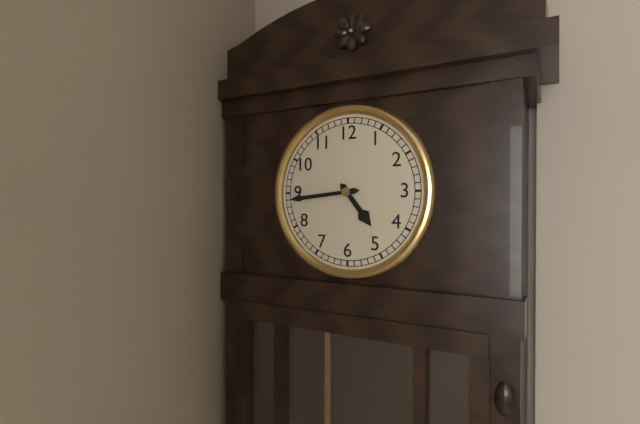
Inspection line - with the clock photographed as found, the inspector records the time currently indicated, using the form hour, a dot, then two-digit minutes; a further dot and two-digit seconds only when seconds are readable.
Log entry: 4.44
